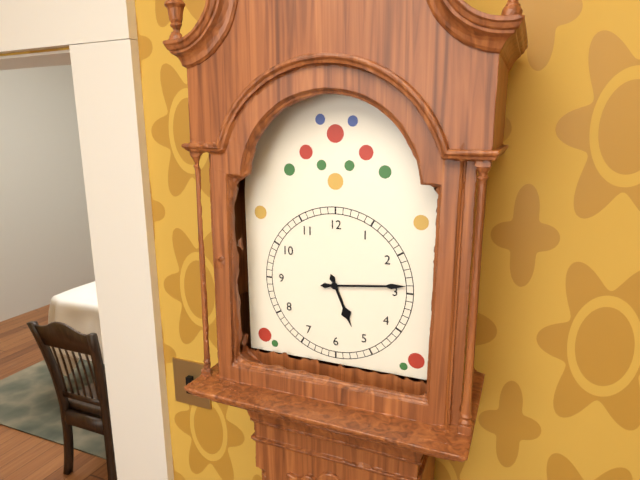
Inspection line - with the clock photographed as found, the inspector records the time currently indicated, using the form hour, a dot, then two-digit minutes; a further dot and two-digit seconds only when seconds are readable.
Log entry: 5.14
